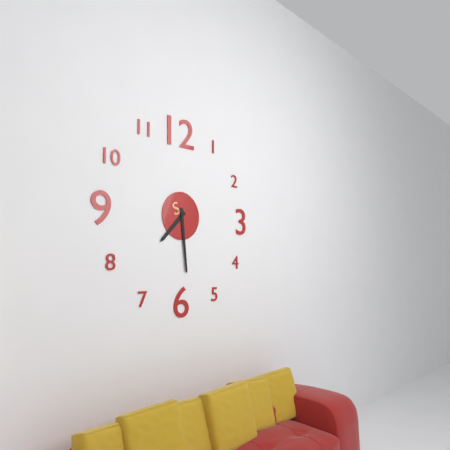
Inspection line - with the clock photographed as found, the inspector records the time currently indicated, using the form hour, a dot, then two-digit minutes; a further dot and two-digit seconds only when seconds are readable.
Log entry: 7.29
